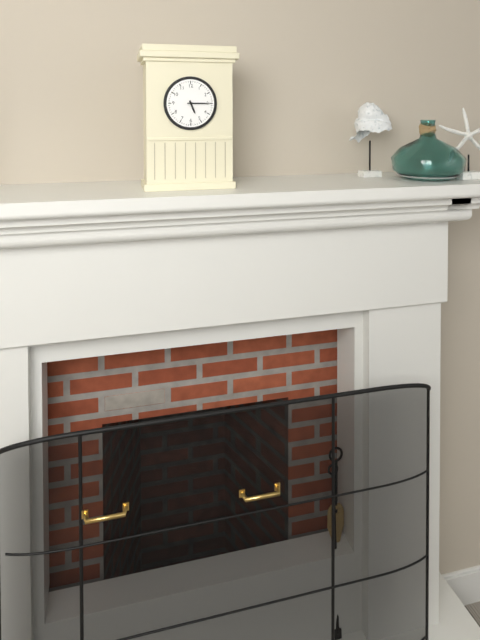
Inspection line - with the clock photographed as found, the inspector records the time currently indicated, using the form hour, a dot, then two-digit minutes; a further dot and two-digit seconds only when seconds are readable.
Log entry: 5.15
